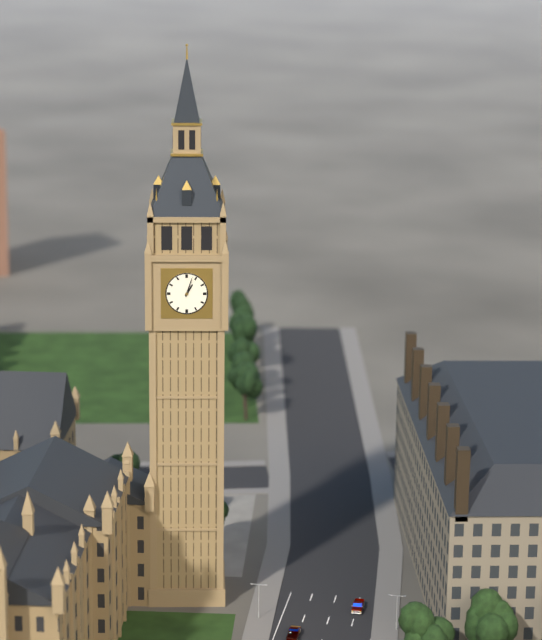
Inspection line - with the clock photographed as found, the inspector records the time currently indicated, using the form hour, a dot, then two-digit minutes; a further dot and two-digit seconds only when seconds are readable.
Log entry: 1.03
